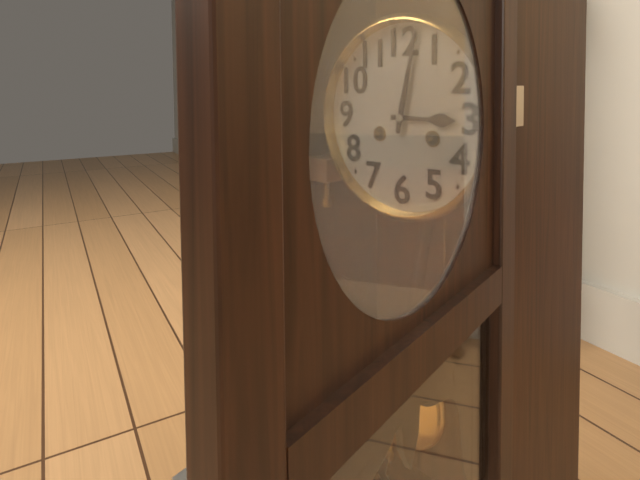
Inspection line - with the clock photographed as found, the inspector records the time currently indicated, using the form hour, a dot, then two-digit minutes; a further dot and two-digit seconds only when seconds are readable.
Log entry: 3.02
